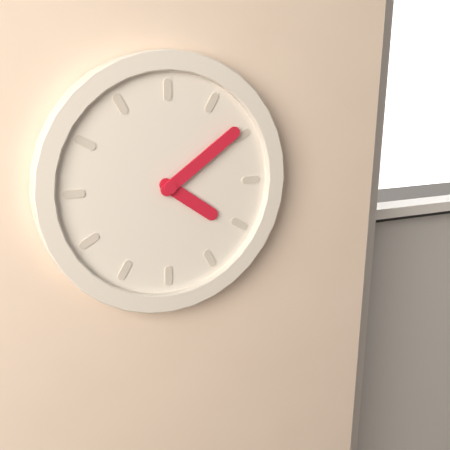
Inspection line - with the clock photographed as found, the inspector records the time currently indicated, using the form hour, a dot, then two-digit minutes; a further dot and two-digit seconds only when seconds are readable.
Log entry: 4.09
